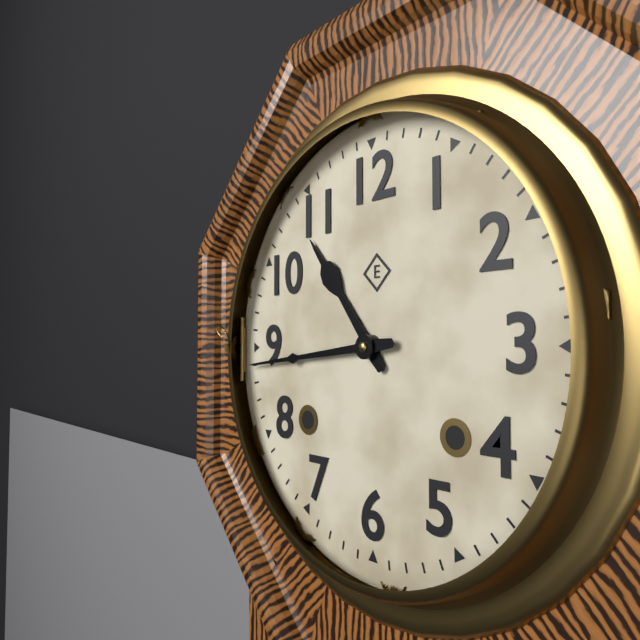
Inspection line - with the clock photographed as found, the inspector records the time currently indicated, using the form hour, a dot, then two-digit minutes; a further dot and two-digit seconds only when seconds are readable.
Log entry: 10.44
